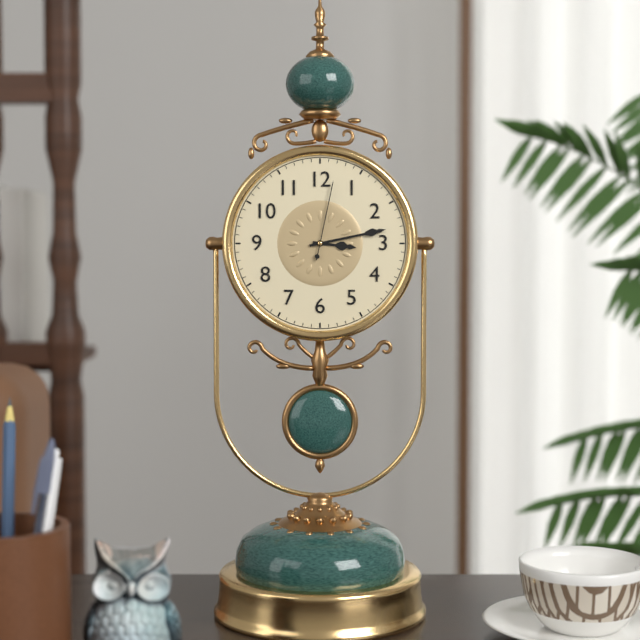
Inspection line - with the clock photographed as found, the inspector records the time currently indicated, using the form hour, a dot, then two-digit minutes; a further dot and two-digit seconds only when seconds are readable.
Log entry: 3.13.02
